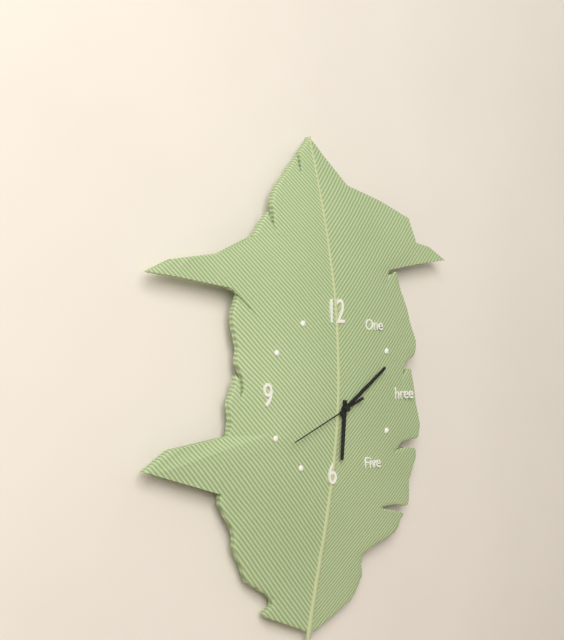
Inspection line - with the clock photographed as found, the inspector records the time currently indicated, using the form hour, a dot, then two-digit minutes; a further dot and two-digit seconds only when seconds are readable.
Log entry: 6.09.41
